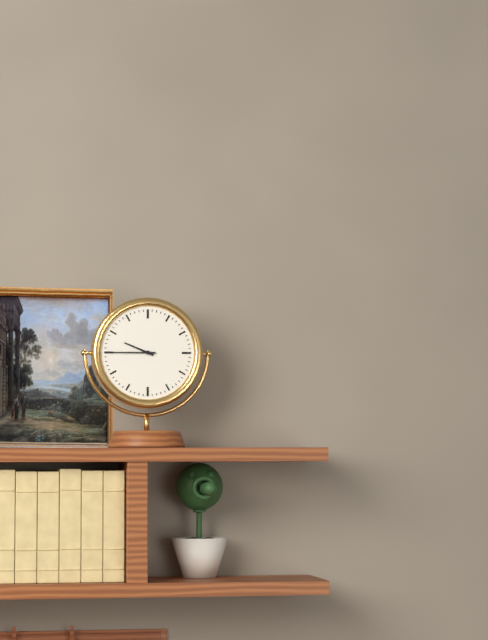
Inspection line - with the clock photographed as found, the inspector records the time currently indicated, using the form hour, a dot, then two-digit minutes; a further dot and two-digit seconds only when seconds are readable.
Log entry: 9.45
